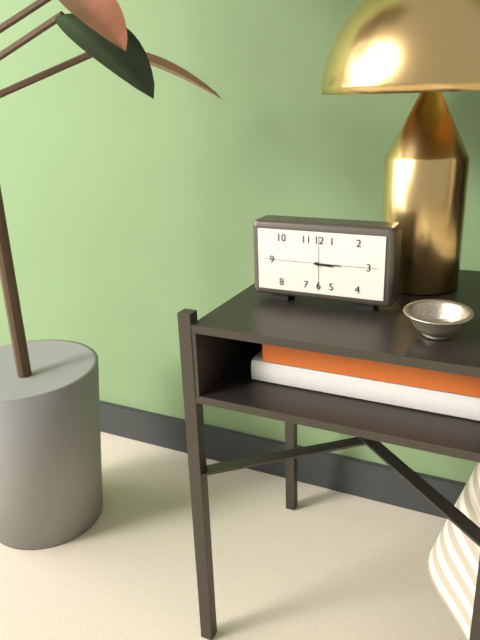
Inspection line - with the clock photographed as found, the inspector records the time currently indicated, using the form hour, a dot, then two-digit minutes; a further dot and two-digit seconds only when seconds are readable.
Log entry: 3.15
